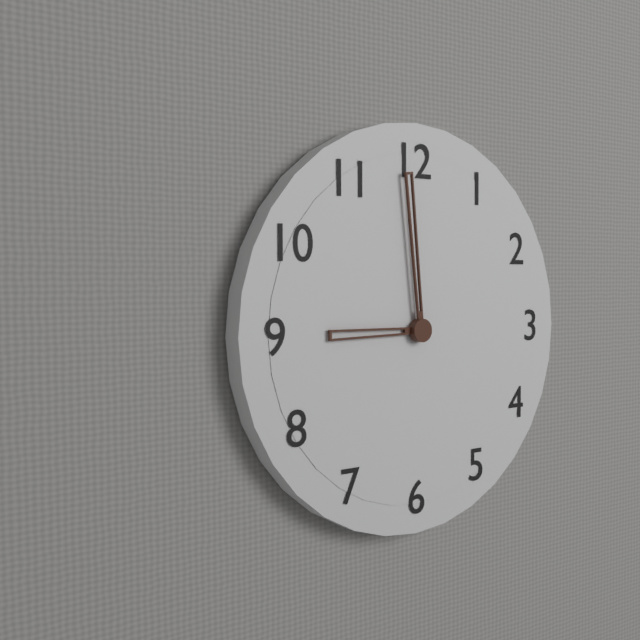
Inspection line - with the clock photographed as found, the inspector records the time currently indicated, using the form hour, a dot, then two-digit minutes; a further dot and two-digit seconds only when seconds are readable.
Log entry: 8.59
